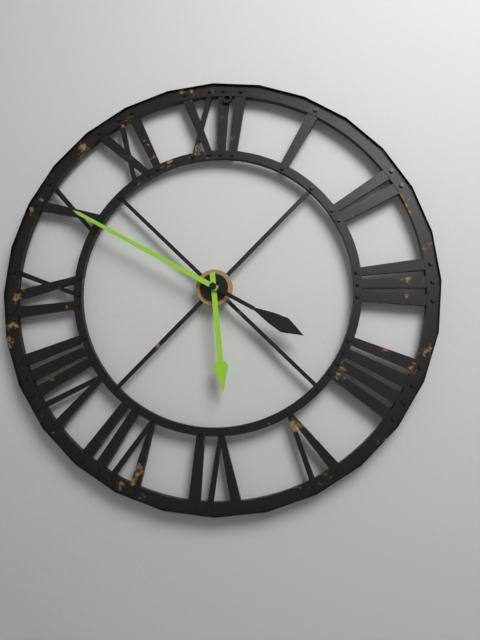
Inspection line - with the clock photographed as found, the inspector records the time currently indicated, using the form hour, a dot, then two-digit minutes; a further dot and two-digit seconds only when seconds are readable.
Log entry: 5.50
